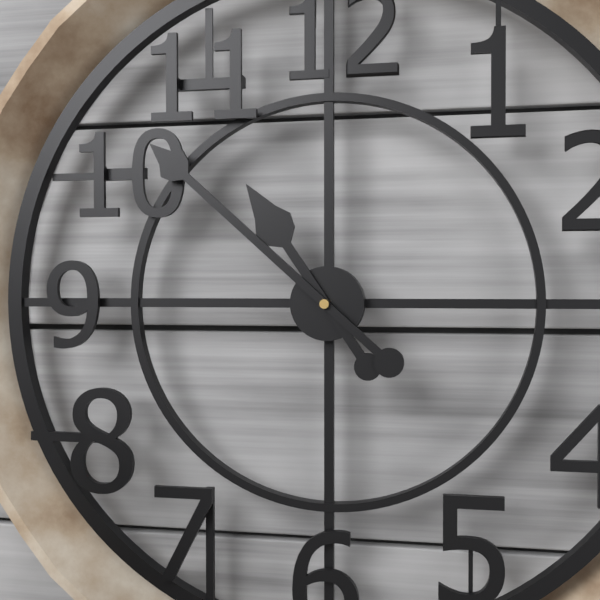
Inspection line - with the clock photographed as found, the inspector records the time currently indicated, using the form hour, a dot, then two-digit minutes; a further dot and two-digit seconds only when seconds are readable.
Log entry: 10.52
